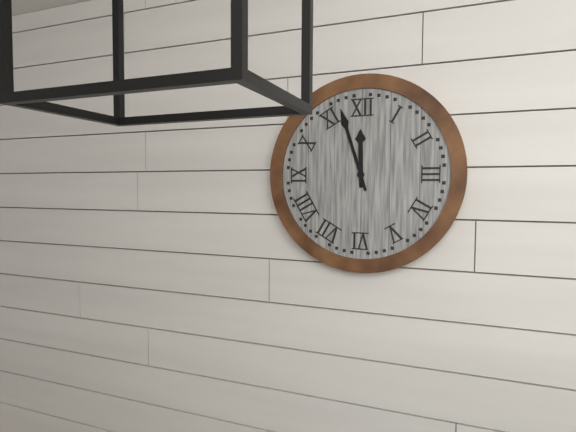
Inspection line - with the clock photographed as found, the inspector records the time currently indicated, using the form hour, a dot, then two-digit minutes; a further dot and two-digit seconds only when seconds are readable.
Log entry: 11.57
